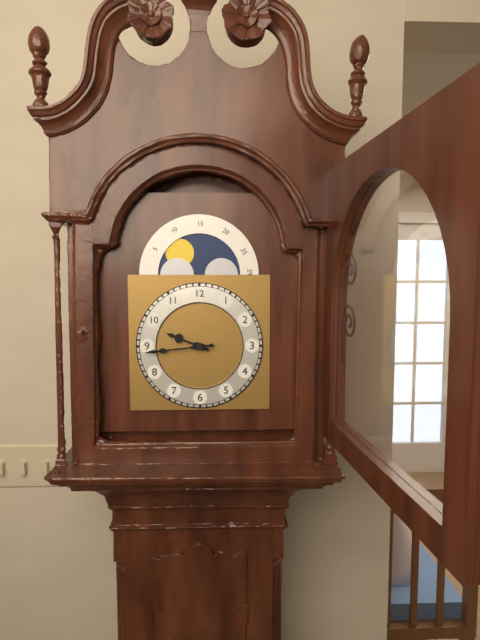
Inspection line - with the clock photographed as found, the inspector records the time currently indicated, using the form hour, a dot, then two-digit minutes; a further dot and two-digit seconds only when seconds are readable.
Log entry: 9.44
